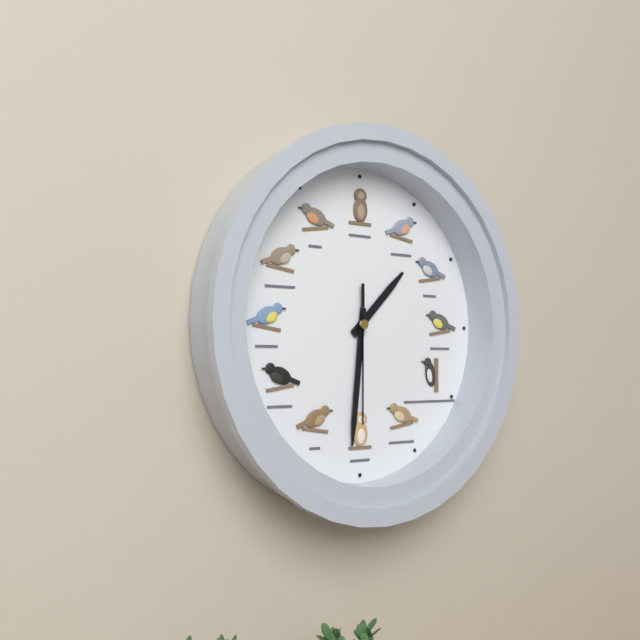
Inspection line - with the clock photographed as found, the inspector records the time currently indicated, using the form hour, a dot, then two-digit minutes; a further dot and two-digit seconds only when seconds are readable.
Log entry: 1.31.30
